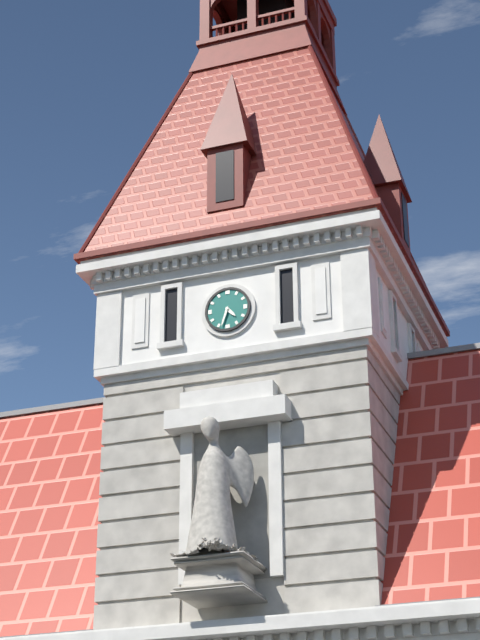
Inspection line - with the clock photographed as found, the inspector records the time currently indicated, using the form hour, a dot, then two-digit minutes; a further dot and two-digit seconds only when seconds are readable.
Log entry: 4.33
